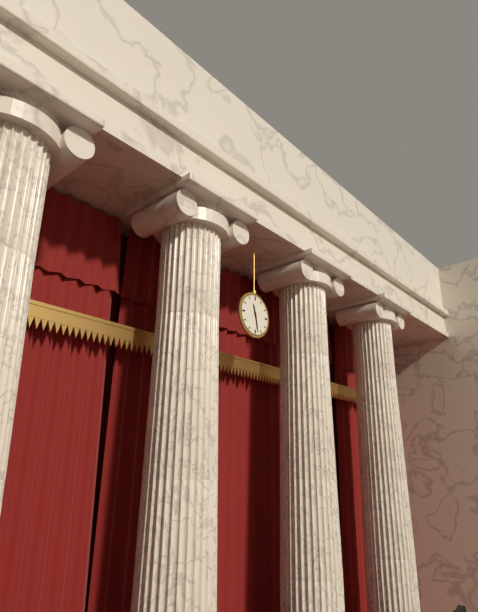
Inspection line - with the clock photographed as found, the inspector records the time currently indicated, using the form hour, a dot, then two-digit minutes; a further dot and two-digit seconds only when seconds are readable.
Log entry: 11.28
